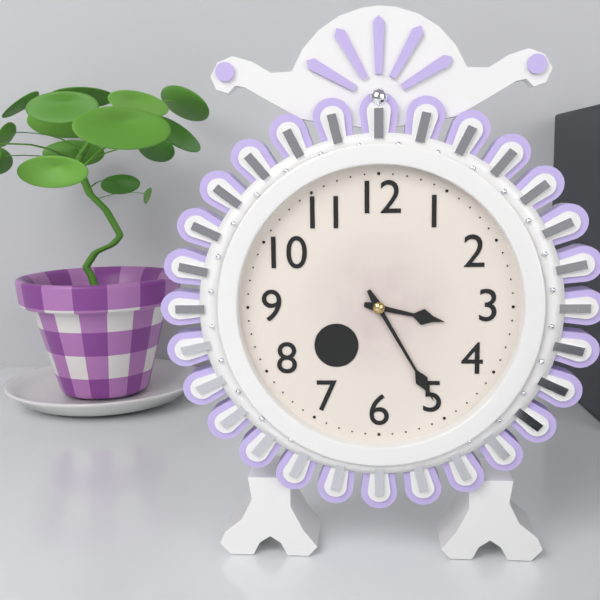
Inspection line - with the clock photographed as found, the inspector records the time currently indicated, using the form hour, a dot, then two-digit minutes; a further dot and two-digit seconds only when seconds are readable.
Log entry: 3.25
